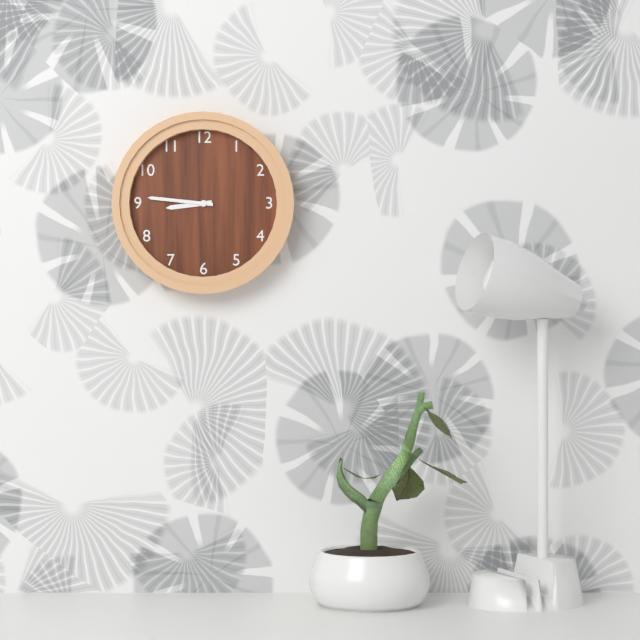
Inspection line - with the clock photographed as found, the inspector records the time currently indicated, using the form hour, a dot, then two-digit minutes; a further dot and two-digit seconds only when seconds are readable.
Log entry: 8.46
